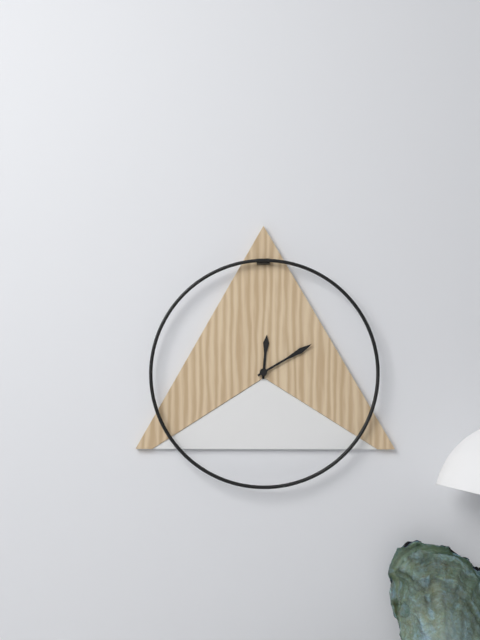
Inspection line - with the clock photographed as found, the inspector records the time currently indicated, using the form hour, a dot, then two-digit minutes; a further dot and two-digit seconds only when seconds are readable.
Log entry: 12.10
